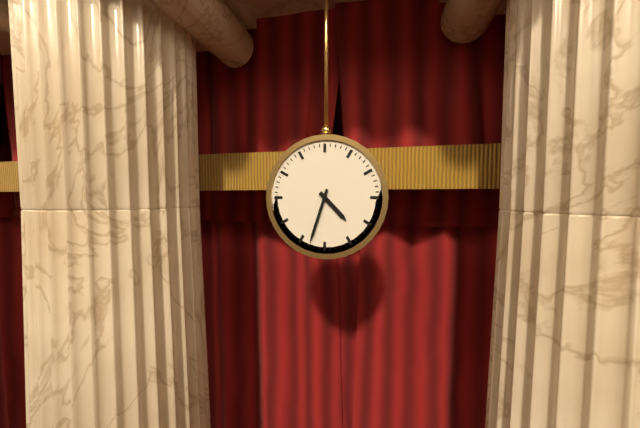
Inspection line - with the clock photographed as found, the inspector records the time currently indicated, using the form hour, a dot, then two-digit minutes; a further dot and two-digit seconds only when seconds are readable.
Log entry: 4.33
